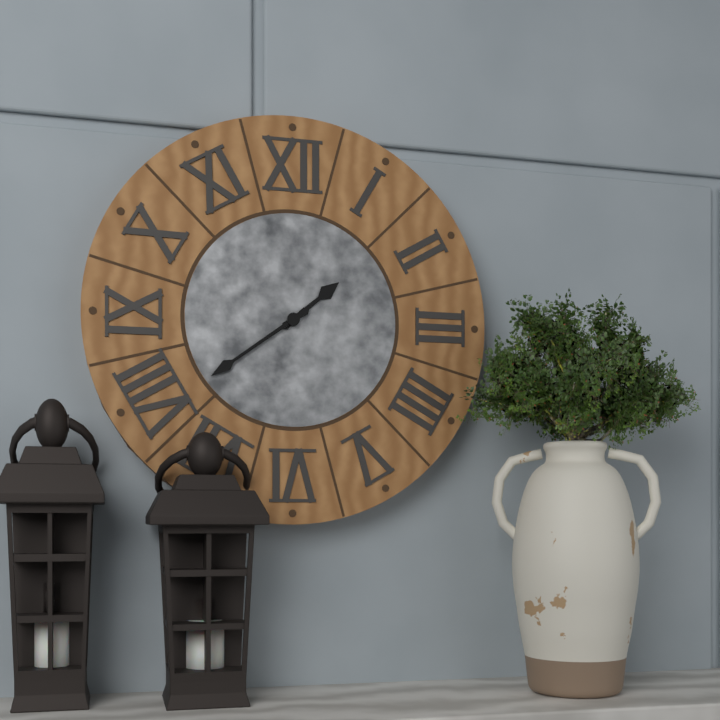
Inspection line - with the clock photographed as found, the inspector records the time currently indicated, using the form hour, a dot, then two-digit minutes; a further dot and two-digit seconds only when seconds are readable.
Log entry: 1.39
